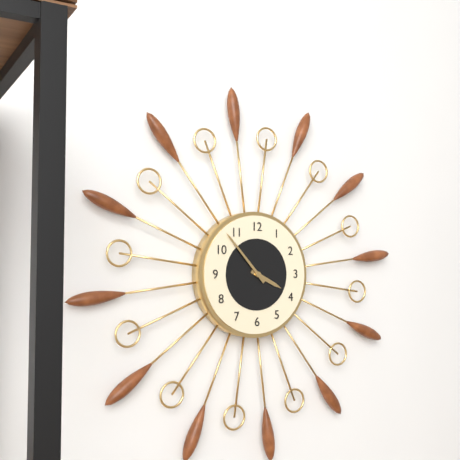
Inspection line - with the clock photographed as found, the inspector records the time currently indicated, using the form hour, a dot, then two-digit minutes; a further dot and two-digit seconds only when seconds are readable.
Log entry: 3.53
